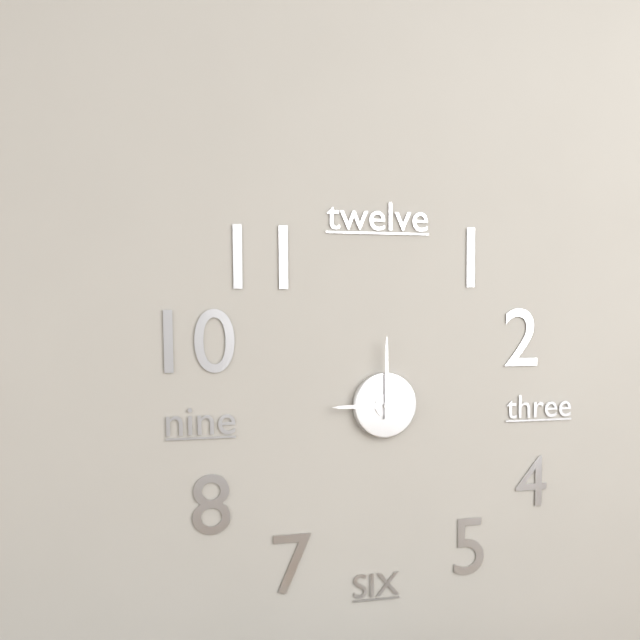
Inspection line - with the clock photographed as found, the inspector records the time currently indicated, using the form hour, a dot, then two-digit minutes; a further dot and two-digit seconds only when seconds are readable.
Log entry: 9.00
